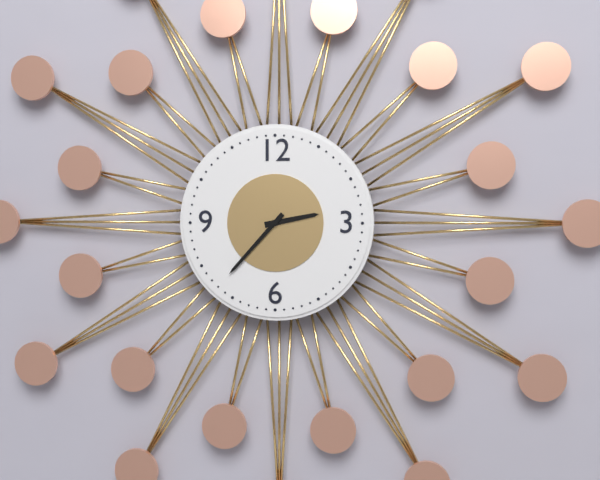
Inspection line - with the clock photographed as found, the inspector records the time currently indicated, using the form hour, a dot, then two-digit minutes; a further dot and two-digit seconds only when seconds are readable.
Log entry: 2.37
